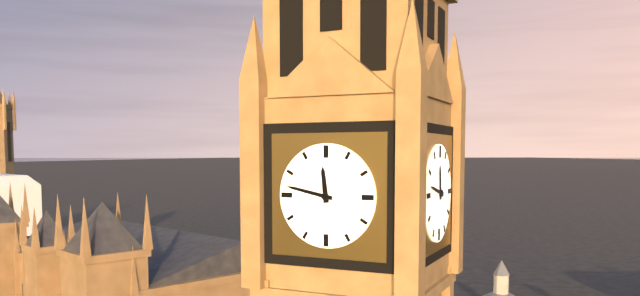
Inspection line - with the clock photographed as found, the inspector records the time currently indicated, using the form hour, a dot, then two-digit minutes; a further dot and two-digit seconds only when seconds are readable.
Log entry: 11.47
